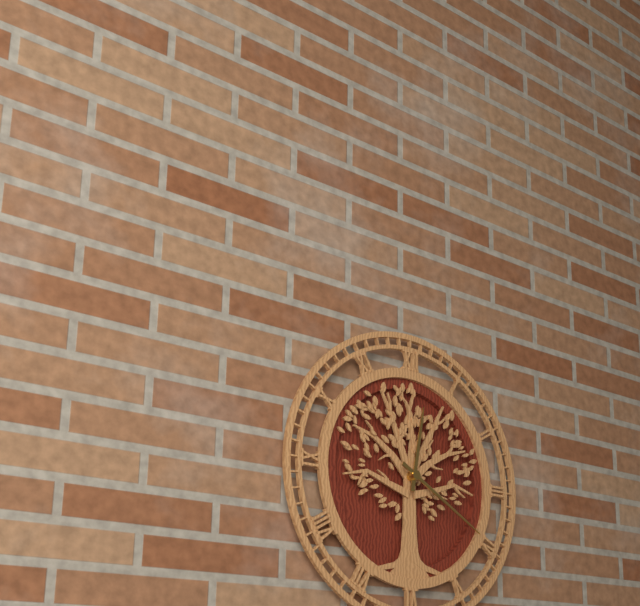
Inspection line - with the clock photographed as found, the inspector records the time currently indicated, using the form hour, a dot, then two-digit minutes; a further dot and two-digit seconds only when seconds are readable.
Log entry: 12.20
